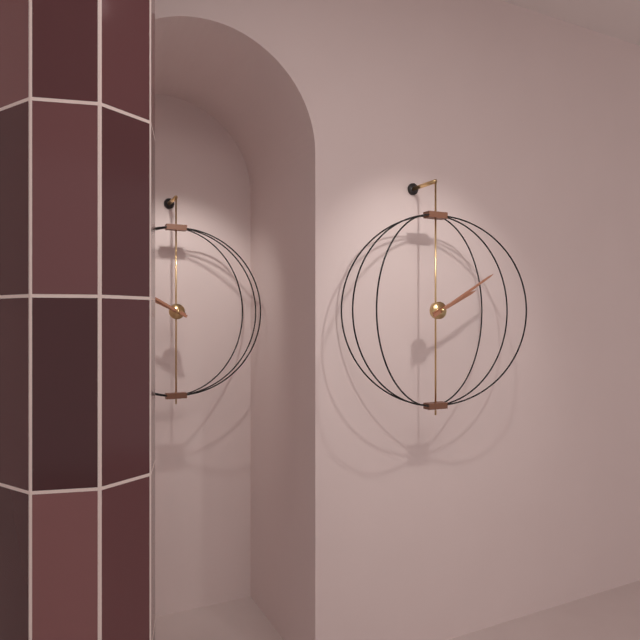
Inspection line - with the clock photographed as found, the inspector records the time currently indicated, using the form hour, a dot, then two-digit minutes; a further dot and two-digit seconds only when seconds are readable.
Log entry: 2.10
